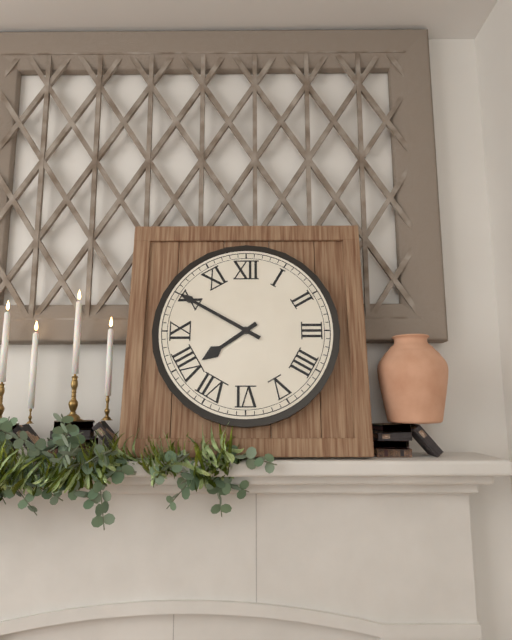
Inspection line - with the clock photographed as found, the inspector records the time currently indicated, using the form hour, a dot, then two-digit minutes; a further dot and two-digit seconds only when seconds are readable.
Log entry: 7.50
